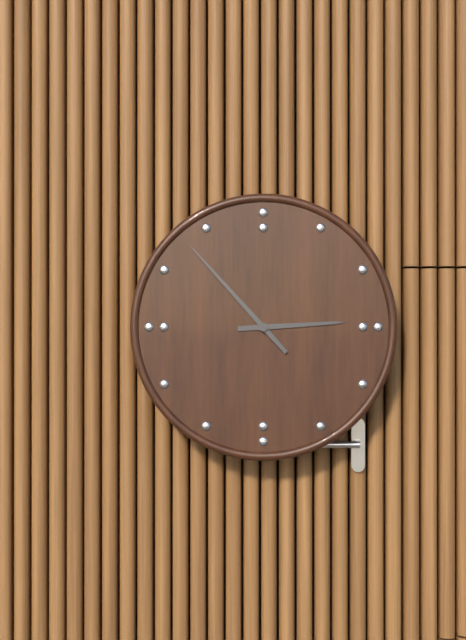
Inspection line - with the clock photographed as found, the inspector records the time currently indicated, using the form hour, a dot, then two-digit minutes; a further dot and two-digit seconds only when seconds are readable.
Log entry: 2.53
